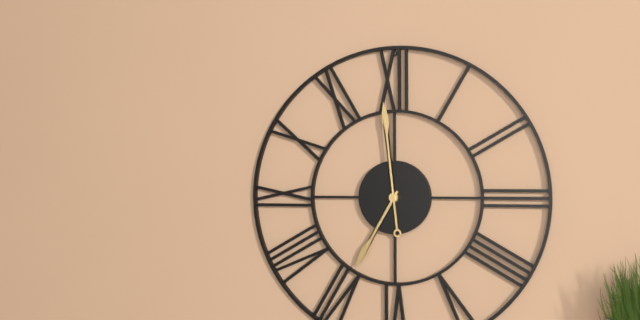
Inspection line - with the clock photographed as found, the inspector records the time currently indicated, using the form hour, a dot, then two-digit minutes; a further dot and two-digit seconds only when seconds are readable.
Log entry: 6.59
